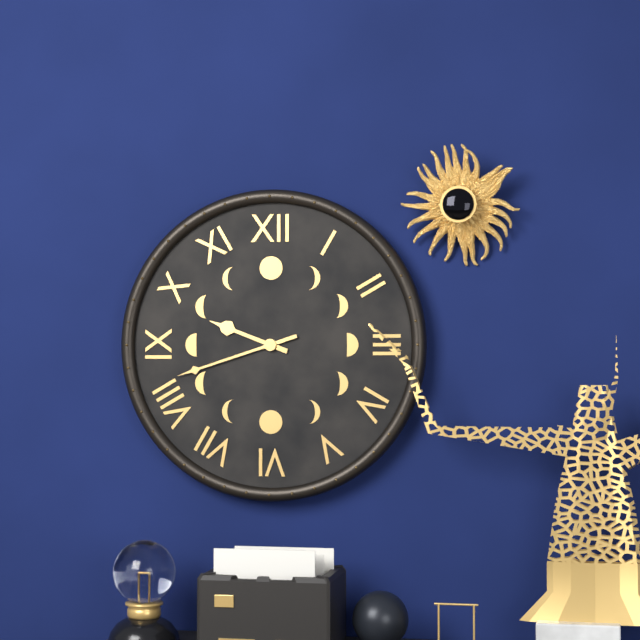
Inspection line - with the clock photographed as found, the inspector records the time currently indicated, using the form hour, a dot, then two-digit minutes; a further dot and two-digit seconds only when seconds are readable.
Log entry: 9.42
